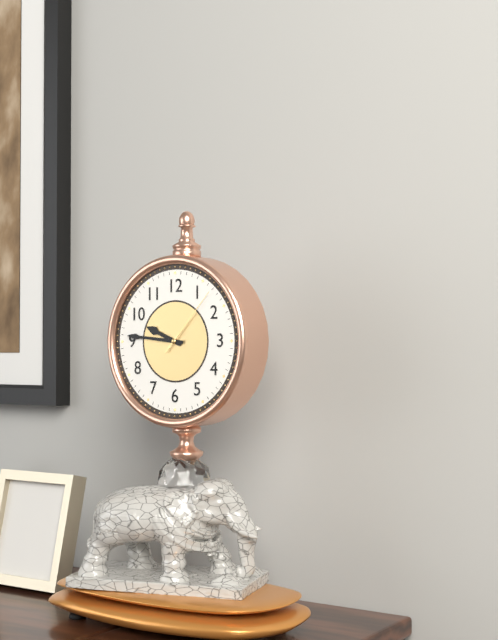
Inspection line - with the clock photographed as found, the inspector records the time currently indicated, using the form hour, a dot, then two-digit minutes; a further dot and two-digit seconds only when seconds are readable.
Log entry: 9.46.07
